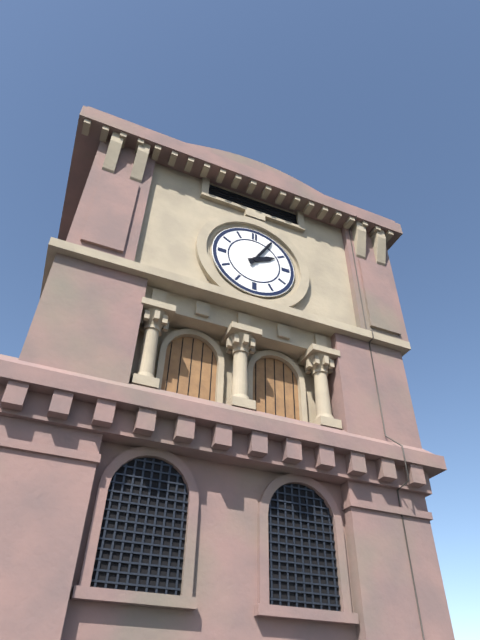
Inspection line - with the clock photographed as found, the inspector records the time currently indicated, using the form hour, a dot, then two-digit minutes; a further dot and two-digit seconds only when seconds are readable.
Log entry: 2.05
